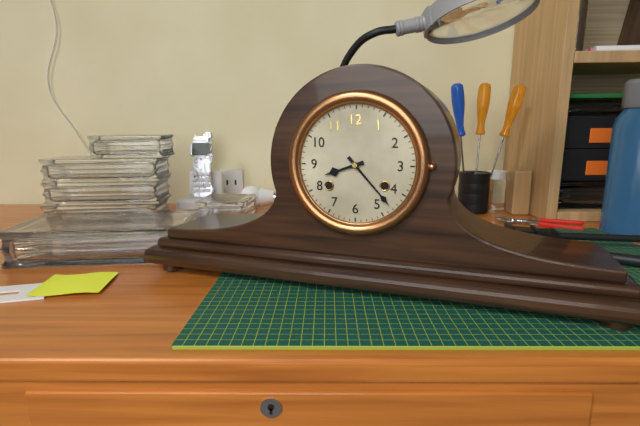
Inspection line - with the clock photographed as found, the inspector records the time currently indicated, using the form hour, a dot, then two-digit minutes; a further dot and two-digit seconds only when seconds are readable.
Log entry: 8.23
